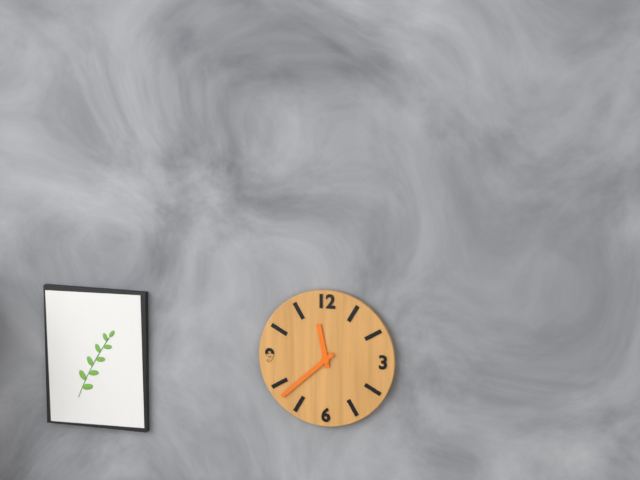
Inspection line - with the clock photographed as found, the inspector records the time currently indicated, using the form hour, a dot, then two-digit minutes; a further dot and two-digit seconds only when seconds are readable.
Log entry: 11.38
